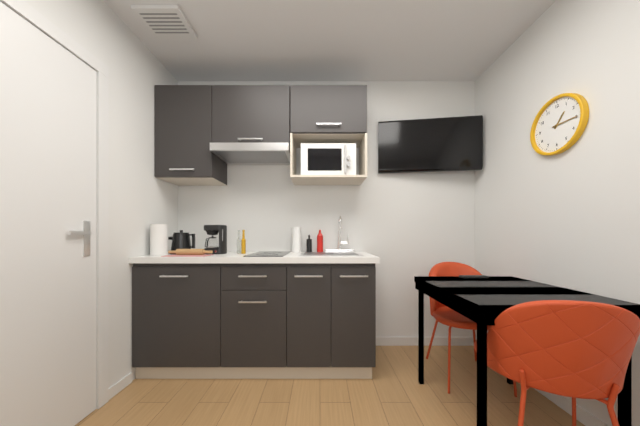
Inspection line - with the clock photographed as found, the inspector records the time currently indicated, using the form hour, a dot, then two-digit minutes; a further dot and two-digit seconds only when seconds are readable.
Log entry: 1.15
